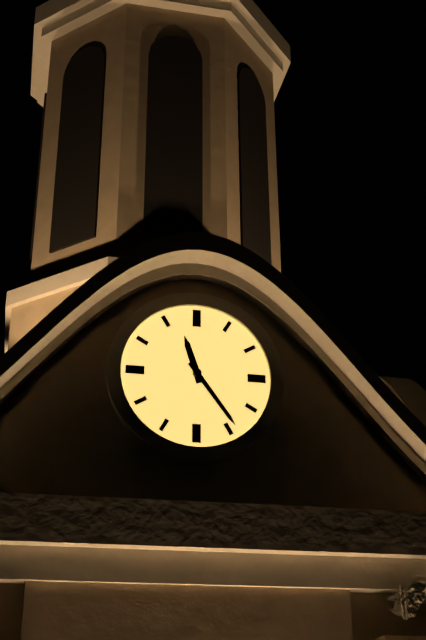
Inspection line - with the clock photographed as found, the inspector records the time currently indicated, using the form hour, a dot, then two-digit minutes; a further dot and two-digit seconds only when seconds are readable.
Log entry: 11.24
